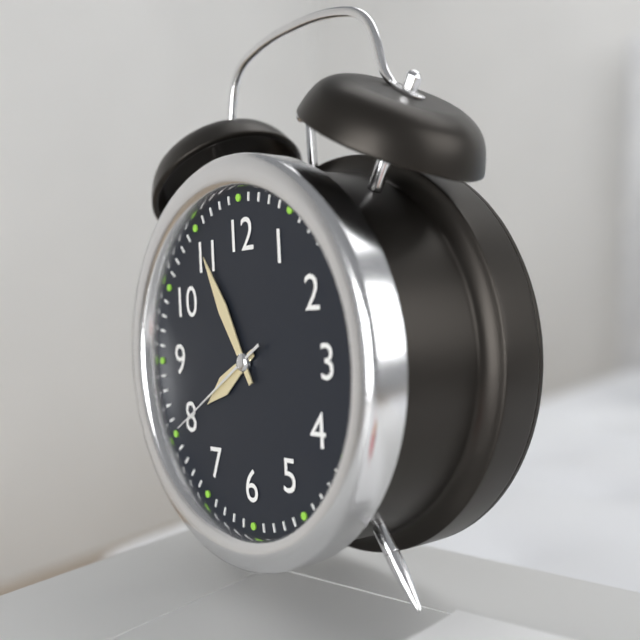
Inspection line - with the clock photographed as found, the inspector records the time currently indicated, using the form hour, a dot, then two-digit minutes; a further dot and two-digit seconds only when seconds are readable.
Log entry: 7.55.40
